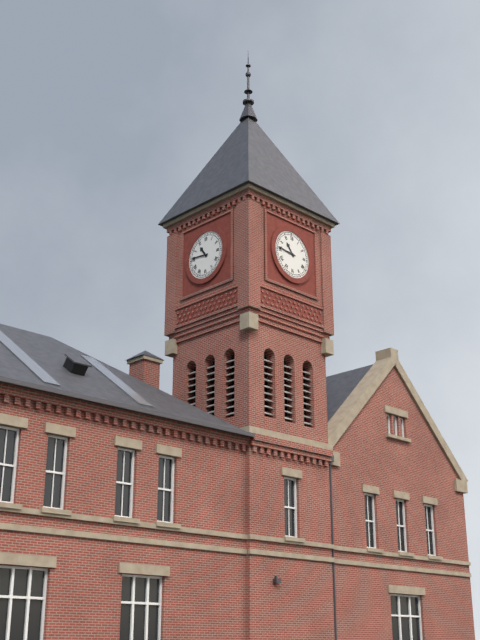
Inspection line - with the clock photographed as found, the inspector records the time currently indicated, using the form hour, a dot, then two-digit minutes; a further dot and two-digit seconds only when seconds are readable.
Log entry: 10.46
